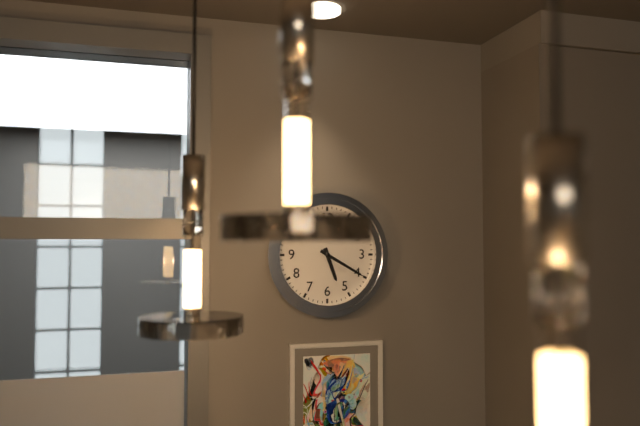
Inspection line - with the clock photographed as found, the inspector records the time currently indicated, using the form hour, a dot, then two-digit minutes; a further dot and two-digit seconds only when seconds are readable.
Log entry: 5.20
